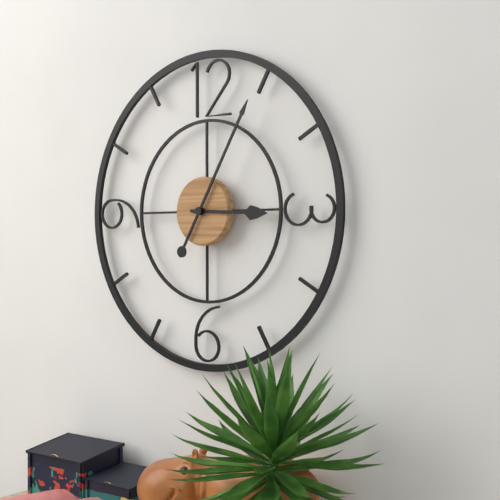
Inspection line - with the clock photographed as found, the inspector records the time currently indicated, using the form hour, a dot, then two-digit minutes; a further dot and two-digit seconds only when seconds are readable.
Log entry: 3.05
